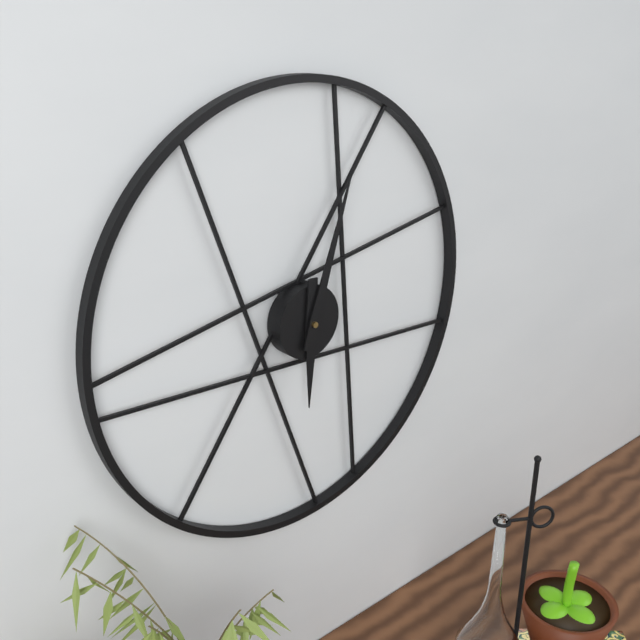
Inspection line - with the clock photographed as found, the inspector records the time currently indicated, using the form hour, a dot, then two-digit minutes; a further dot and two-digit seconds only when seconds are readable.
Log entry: 6.03
